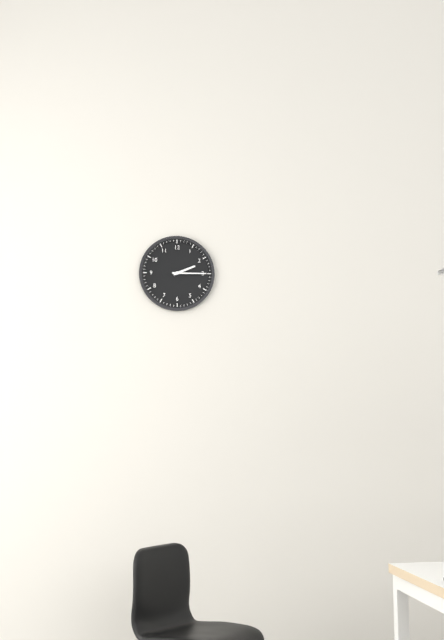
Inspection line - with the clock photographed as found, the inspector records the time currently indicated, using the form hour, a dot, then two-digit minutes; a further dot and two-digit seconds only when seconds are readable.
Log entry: 2.15
